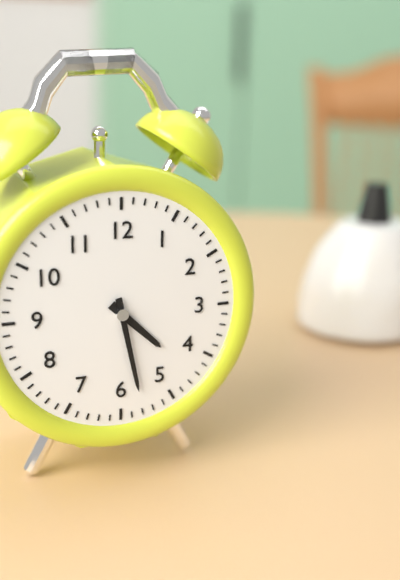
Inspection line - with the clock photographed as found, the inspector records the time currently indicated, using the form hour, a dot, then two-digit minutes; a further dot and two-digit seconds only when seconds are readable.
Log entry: 4.28
